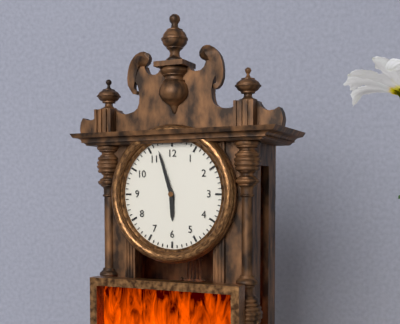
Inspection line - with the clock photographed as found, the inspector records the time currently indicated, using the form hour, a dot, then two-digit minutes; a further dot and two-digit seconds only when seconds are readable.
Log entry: 5.57
